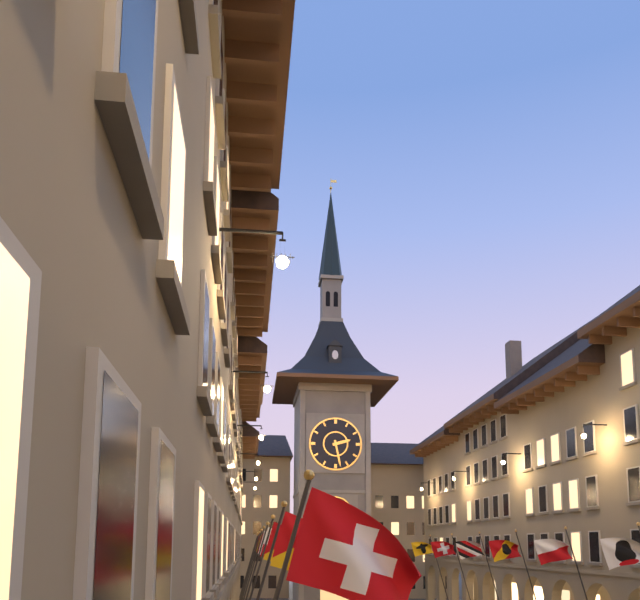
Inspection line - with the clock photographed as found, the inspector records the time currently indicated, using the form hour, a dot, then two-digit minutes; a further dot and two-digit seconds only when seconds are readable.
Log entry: 2.28
